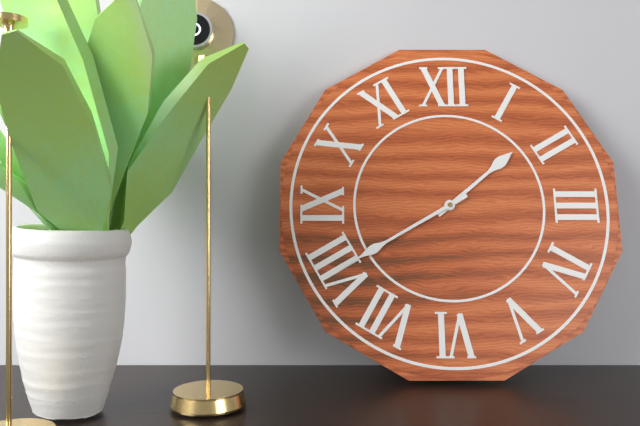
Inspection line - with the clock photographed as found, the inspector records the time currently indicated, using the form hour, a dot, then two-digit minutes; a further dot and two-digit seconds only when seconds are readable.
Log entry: 1.40
